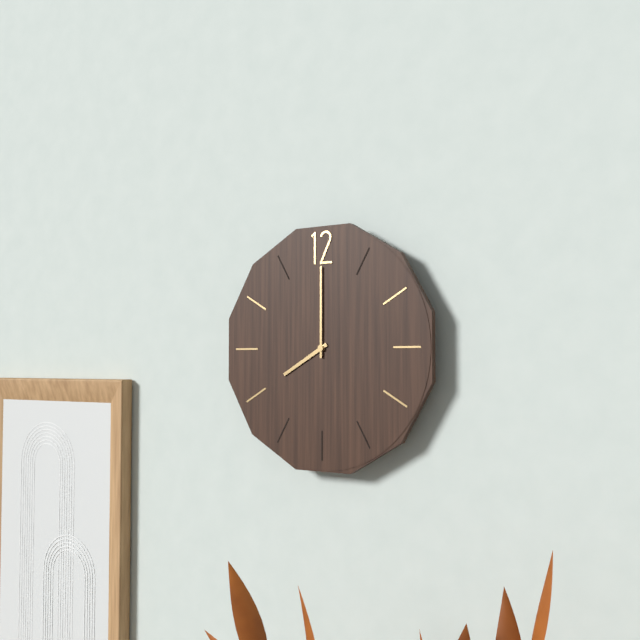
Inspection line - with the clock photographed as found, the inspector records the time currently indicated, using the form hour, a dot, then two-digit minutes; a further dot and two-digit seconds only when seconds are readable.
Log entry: 8.00
